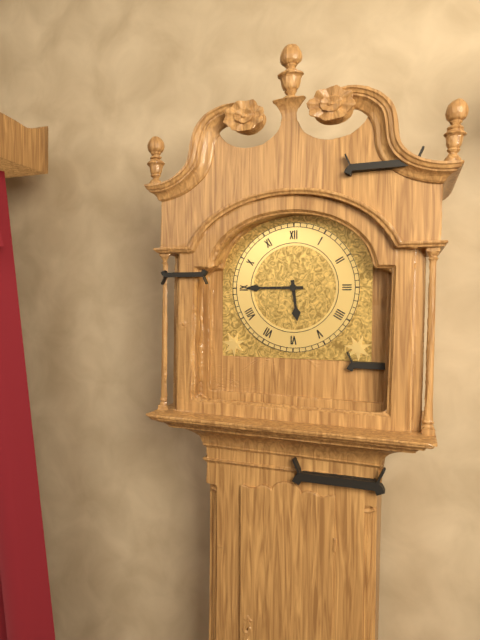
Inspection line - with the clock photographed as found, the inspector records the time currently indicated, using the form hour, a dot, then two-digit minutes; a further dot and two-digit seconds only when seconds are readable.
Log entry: 5.45
